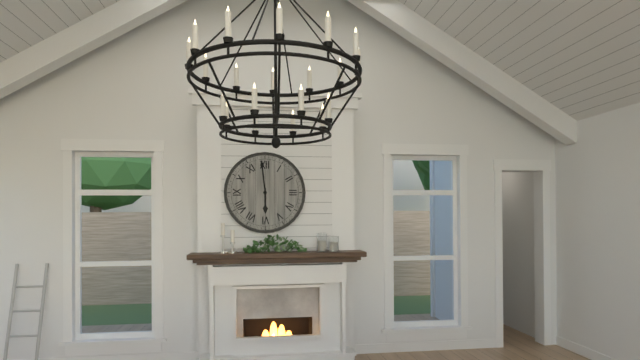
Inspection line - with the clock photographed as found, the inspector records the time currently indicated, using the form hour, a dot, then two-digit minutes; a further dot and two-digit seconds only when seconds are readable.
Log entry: 5.59
